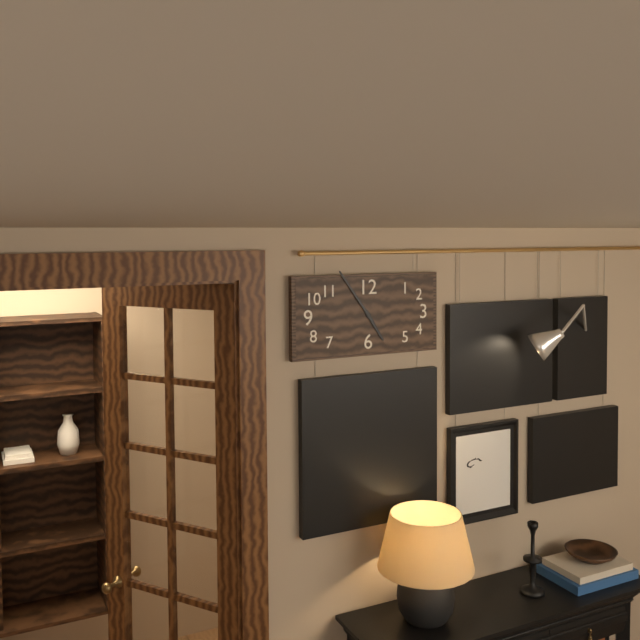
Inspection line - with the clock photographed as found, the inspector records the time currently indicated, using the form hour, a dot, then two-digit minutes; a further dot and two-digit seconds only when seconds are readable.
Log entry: 4.54
